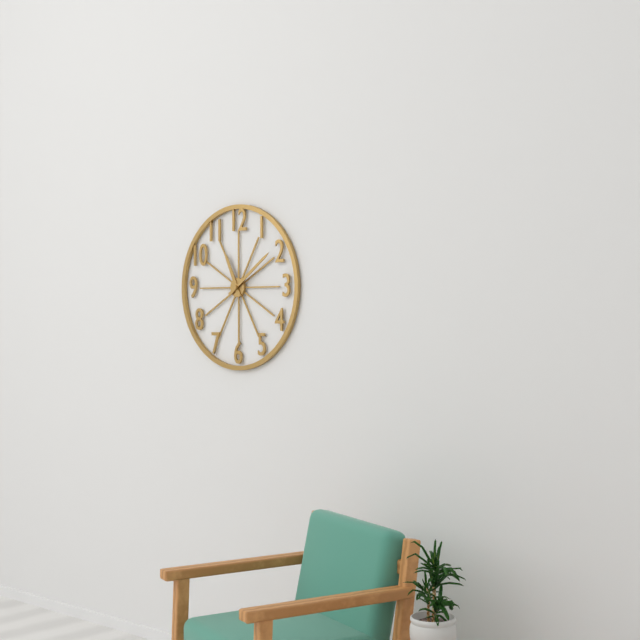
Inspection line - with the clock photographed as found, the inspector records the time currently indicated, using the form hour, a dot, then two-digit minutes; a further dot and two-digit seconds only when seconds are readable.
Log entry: 11.09
